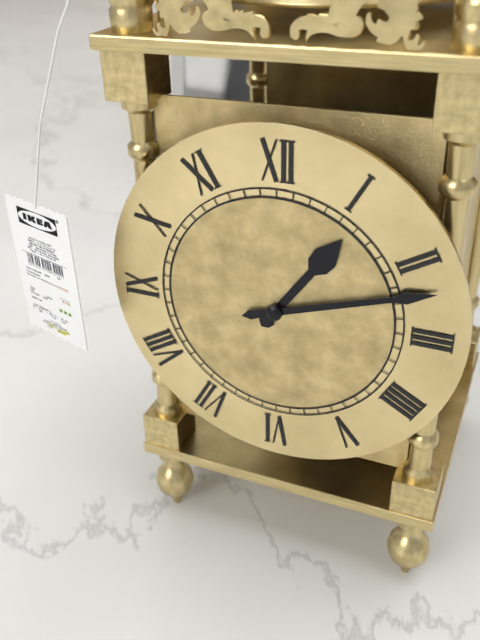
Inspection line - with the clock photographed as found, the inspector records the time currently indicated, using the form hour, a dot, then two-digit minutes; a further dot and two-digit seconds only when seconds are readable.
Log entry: 1.12
